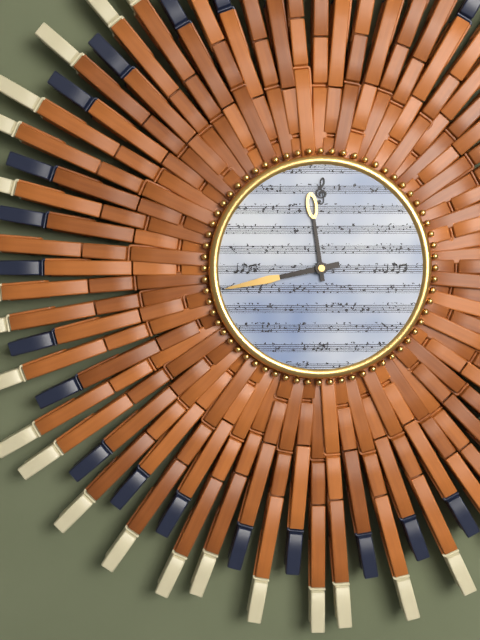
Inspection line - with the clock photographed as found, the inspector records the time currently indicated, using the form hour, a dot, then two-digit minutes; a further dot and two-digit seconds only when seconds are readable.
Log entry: 11.43
